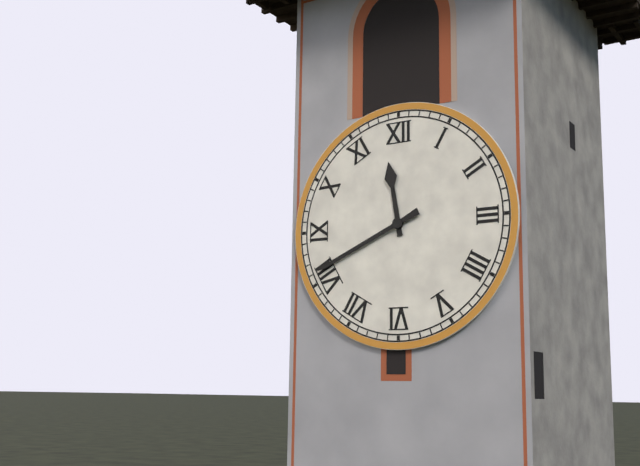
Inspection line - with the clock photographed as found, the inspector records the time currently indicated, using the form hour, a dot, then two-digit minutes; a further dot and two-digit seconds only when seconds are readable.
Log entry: 11.41
